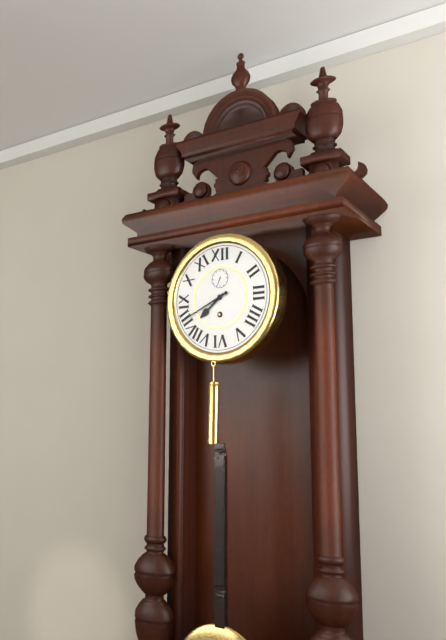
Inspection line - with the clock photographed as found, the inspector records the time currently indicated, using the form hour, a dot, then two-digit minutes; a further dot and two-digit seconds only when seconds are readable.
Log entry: 7.41
